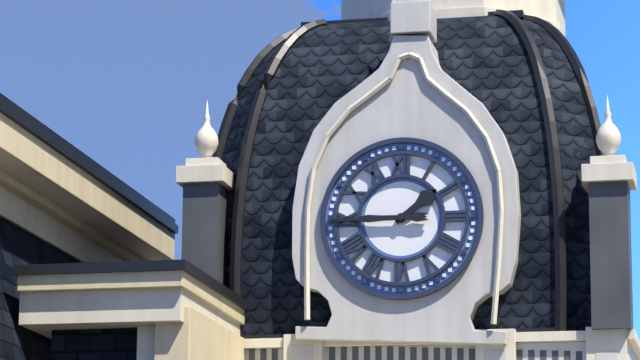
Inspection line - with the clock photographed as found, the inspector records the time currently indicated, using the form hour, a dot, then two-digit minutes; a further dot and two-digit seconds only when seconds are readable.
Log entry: 1.45
